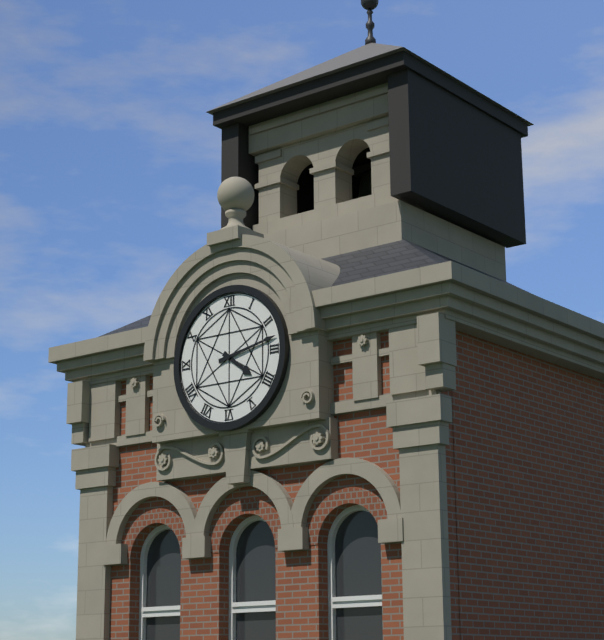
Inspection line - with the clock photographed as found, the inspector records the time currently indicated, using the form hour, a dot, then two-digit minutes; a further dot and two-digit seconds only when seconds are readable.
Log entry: 4.13
